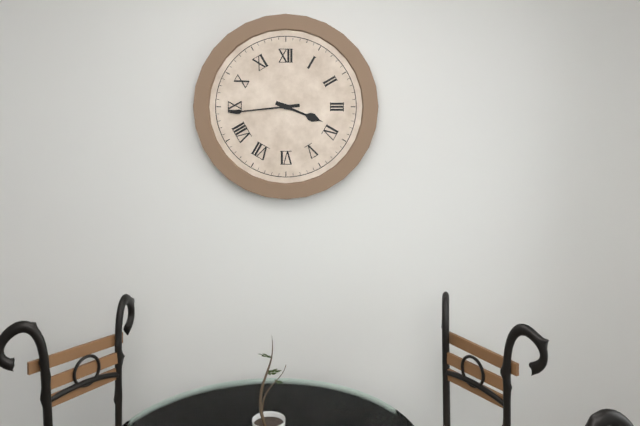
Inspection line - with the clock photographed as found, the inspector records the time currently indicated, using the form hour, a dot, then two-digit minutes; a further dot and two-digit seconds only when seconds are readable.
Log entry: 3.44
